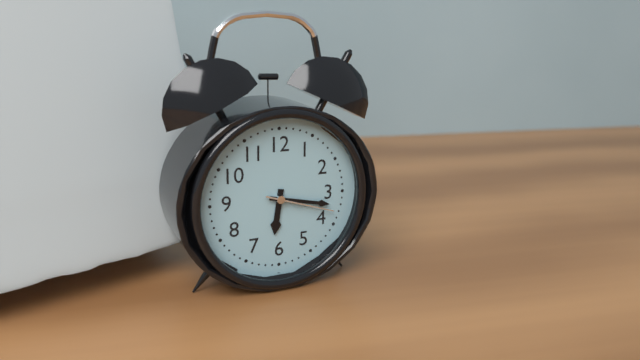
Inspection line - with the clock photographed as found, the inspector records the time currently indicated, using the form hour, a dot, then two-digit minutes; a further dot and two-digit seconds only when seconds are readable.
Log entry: 6.17.18
